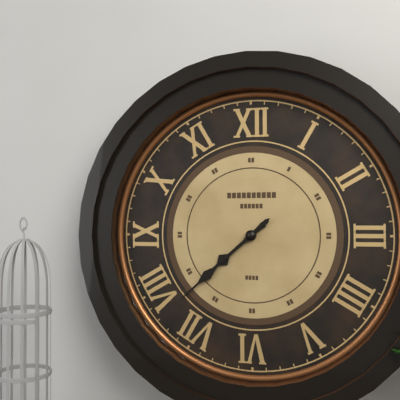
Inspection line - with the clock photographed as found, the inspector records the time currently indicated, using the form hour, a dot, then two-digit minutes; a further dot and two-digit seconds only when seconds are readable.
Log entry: 7.38
